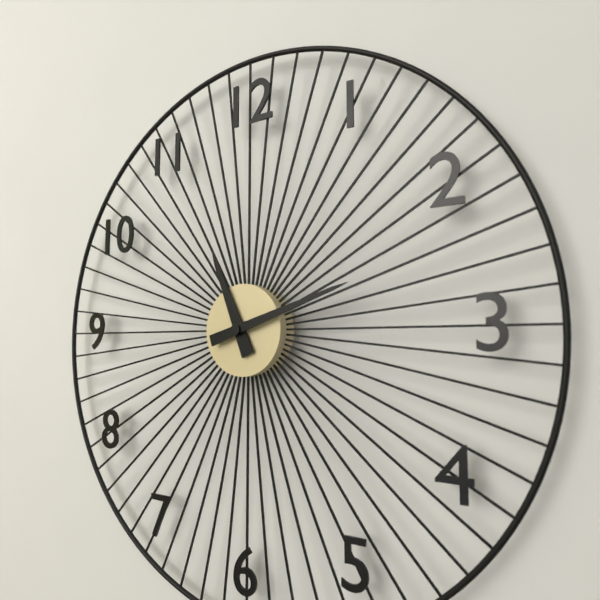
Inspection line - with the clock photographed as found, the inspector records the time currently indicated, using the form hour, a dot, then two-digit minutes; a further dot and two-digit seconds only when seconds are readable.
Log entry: 11.12
